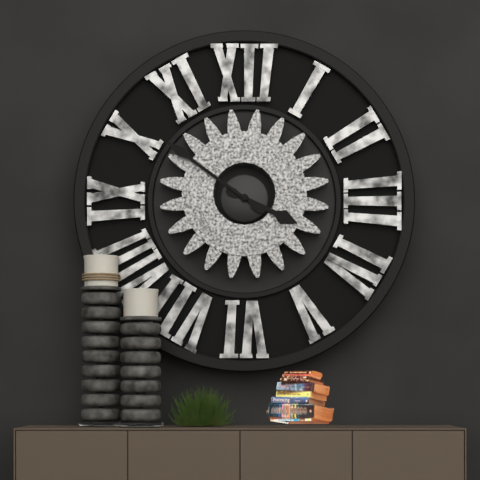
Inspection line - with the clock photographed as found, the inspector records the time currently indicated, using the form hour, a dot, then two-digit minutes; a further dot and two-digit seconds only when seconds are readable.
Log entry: 3.51
